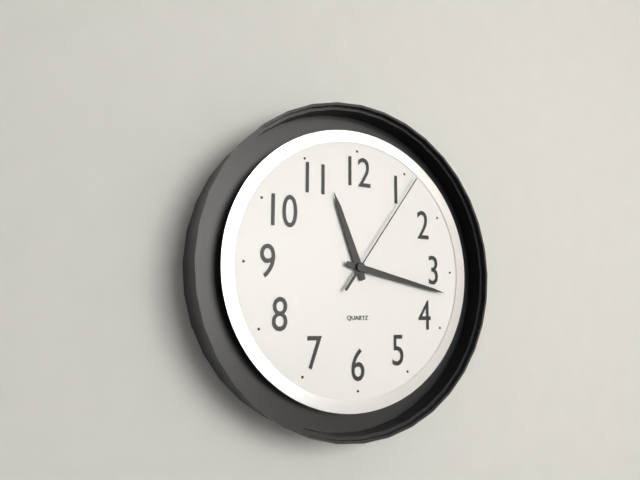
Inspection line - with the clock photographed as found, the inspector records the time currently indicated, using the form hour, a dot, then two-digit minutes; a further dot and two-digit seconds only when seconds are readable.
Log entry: 11.17.06
